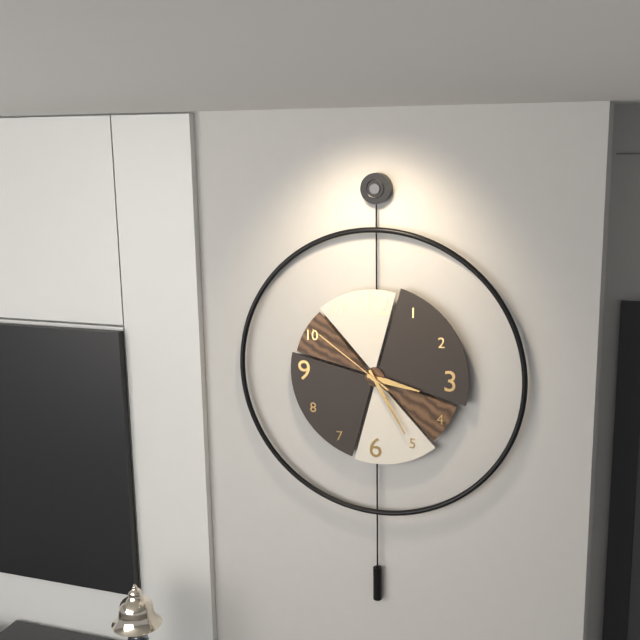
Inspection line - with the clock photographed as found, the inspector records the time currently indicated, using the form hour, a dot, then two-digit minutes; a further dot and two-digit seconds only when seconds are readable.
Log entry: 3.25.51
